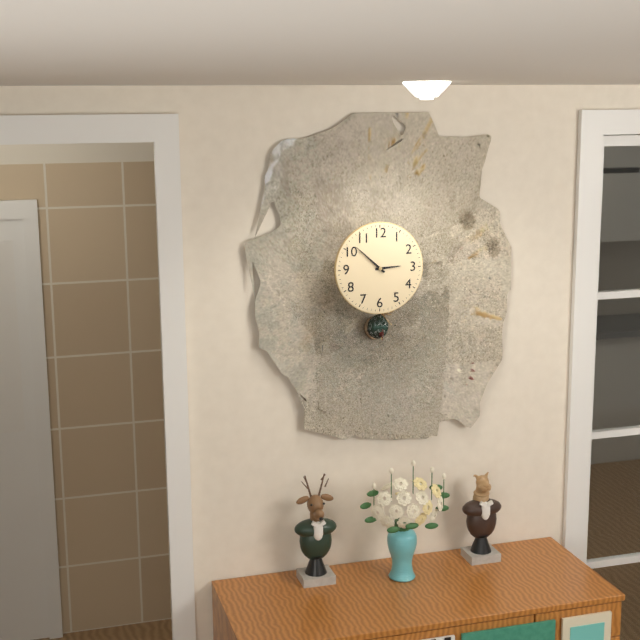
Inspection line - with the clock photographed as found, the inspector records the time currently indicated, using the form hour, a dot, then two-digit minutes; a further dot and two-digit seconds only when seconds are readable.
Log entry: 2.52
